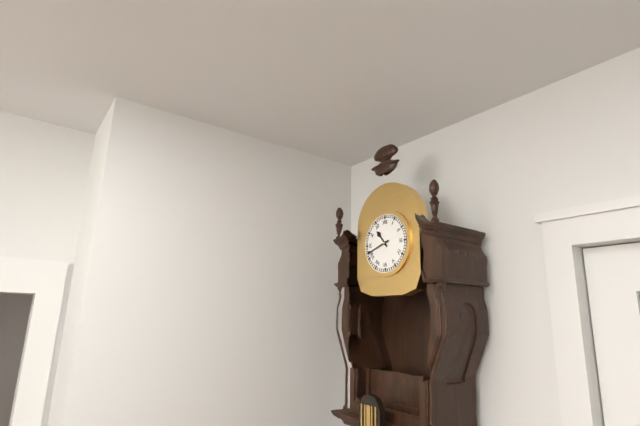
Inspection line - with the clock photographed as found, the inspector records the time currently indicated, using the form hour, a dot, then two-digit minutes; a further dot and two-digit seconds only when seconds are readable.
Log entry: 10.42
